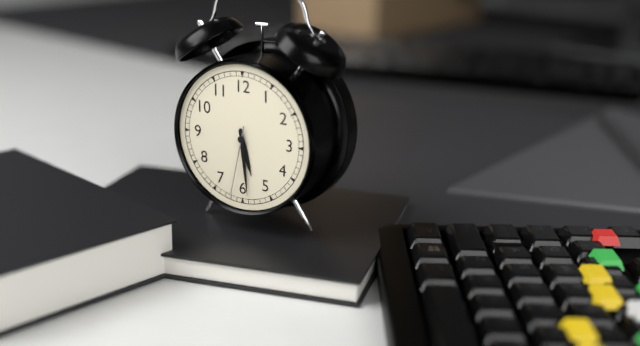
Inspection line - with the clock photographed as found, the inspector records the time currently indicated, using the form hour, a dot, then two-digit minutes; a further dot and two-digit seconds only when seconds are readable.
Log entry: 5.29.32
